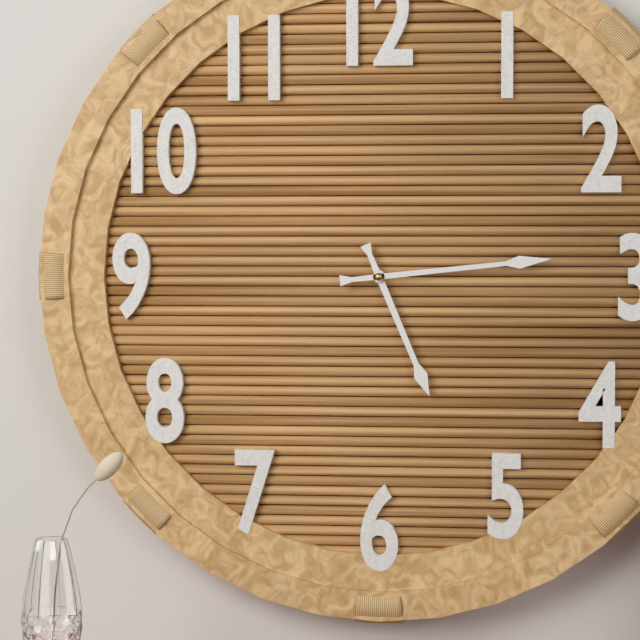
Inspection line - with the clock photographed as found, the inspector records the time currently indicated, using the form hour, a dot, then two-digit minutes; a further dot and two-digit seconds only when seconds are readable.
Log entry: 5.14
